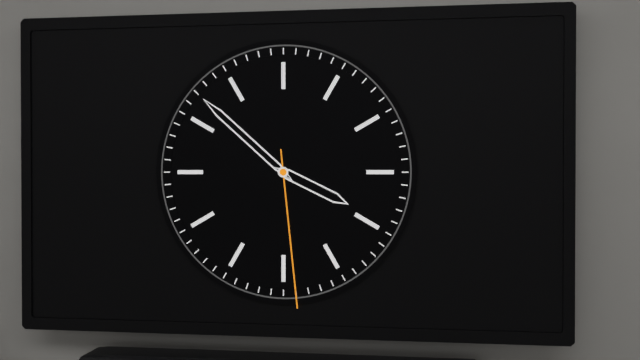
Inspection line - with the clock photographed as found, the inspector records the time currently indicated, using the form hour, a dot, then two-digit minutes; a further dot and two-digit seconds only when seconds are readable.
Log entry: 3.52.29
